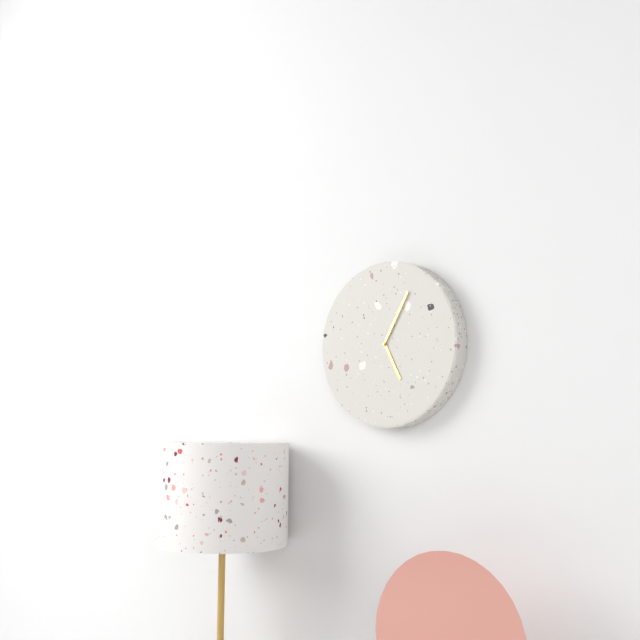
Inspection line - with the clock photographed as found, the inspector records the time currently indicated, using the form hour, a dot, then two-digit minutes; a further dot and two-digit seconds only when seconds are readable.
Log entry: 5.05
